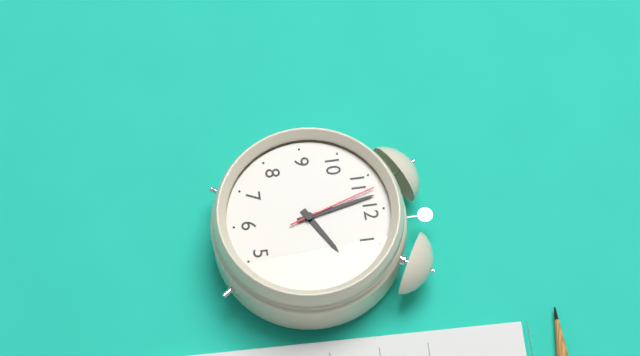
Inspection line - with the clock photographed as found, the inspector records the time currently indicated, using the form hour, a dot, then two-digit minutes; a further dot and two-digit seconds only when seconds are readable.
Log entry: 1.58.57
